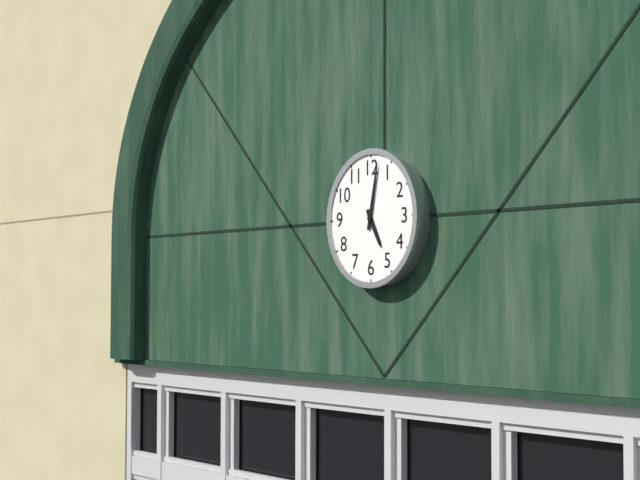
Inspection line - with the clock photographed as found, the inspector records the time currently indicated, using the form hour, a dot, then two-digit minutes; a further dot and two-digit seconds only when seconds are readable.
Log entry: 5.02
